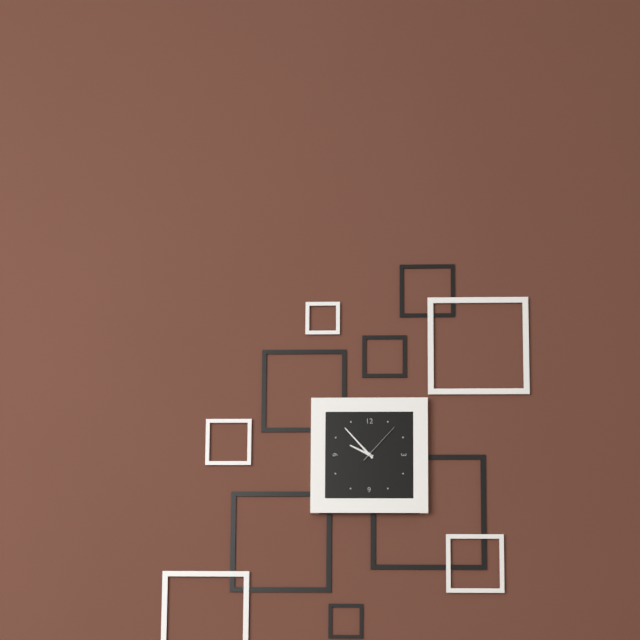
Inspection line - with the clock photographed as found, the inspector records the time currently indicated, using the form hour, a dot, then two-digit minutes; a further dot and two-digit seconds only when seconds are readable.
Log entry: 9.53
